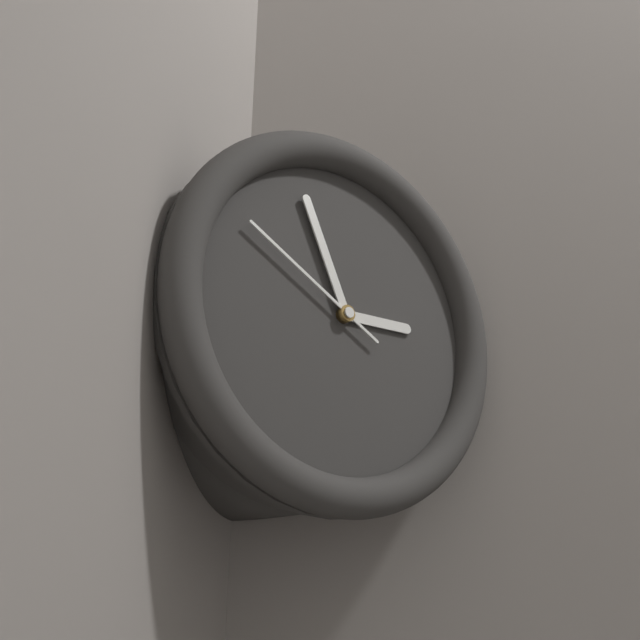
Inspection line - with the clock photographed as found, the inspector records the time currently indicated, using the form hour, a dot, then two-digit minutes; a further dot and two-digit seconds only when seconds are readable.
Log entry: 2.56.50
